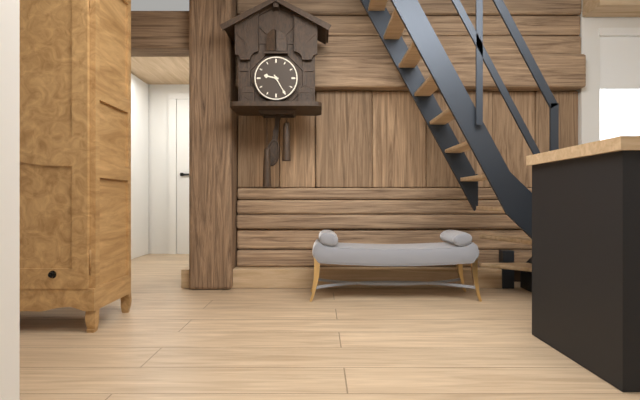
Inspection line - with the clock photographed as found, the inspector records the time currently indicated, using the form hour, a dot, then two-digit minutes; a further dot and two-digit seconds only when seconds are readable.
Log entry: 9.25
